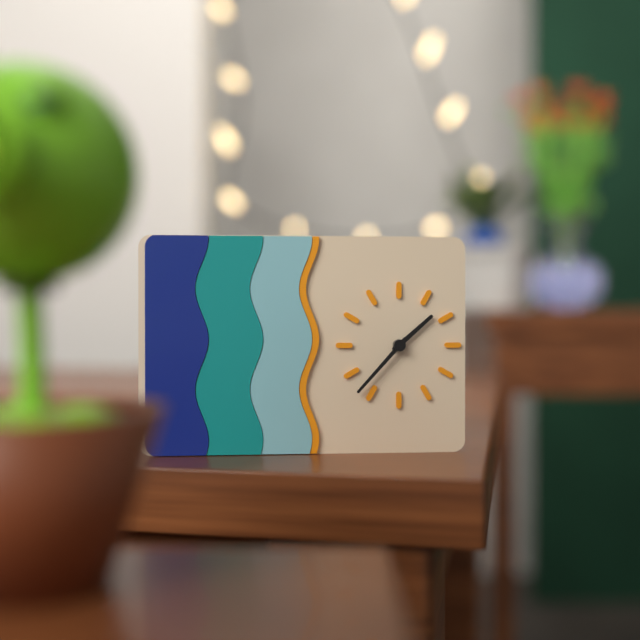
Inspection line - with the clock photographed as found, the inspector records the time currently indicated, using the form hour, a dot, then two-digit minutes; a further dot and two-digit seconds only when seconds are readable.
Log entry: 1.37
